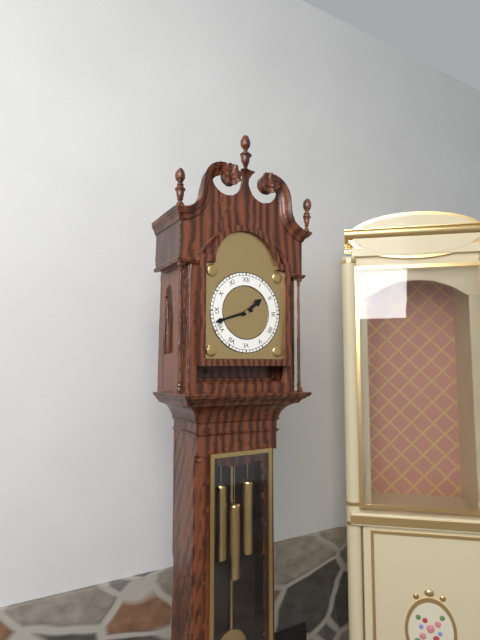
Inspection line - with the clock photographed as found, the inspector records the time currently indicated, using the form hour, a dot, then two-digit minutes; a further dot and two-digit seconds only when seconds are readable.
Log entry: 1.42
